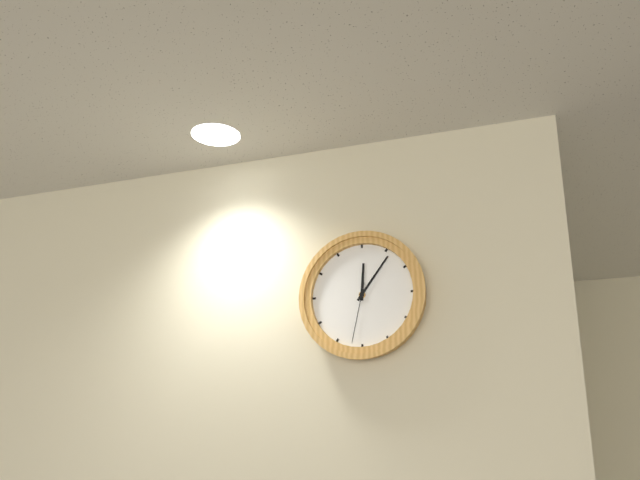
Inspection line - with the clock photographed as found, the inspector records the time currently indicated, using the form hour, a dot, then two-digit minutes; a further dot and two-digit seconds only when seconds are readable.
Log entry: 12.06.32
